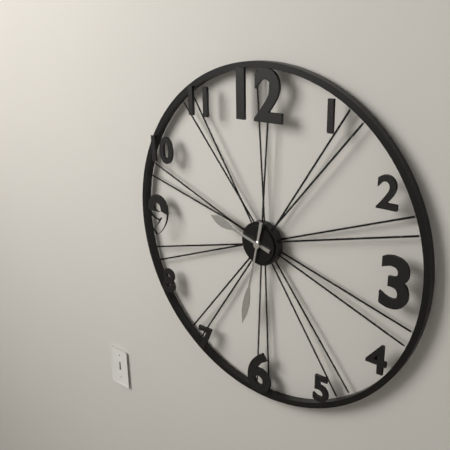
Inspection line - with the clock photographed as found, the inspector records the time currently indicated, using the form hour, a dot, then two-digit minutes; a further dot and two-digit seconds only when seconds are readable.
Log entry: 9.32
